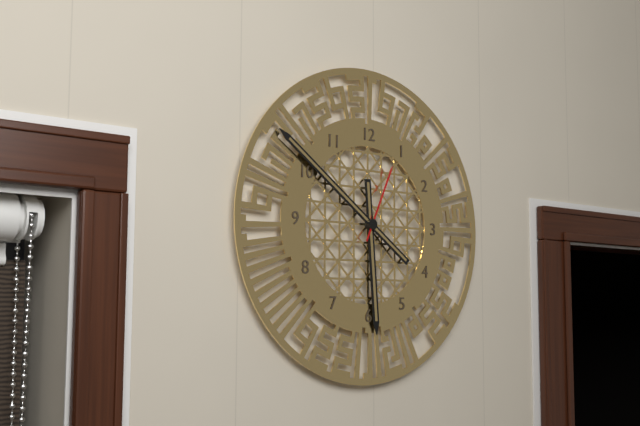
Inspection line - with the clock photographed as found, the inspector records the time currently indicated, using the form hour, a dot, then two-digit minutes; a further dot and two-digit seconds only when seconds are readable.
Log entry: 5.51.04
